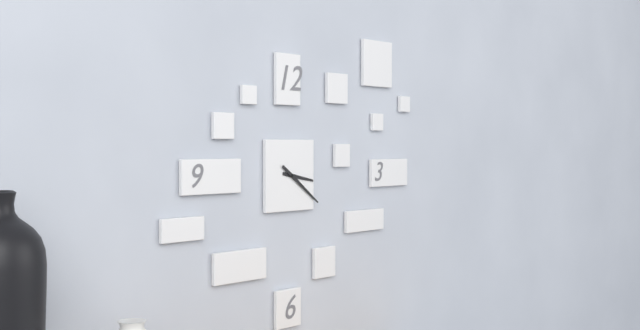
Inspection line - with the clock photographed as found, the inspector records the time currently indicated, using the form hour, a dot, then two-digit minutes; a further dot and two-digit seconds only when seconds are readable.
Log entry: 3.21
